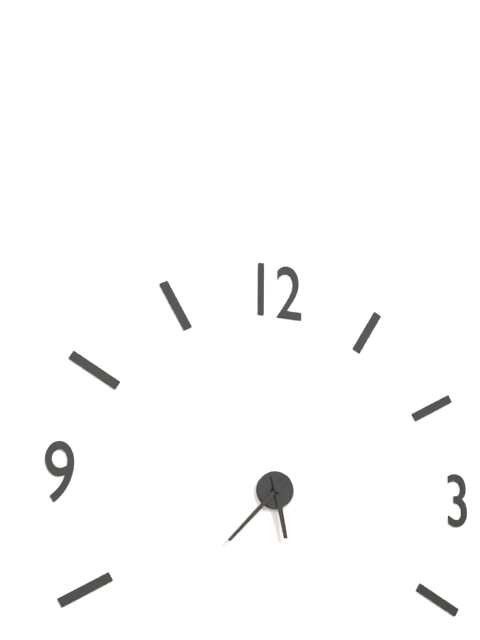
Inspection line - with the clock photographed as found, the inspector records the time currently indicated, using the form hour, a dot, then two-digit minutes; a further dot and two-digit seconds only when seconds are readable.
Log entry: 5.37
